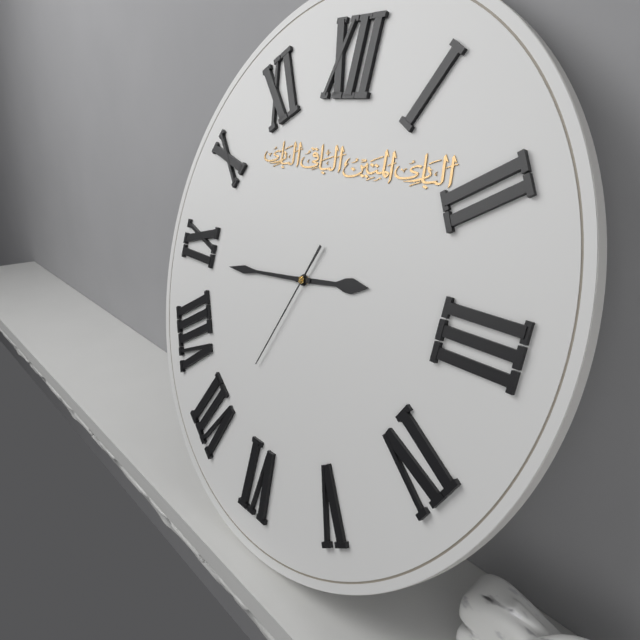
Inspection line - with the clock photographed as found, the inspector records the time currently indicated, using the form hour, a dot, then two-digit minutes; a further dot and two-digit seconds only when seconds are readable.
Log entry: 2.44.34
